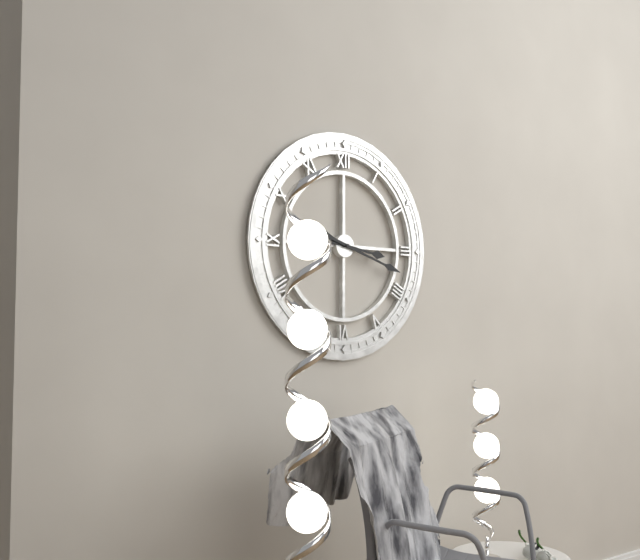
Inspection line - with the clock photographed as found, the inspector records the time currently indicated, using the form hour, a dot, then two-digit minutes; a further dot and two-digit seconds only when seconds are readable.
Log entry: 3.18
